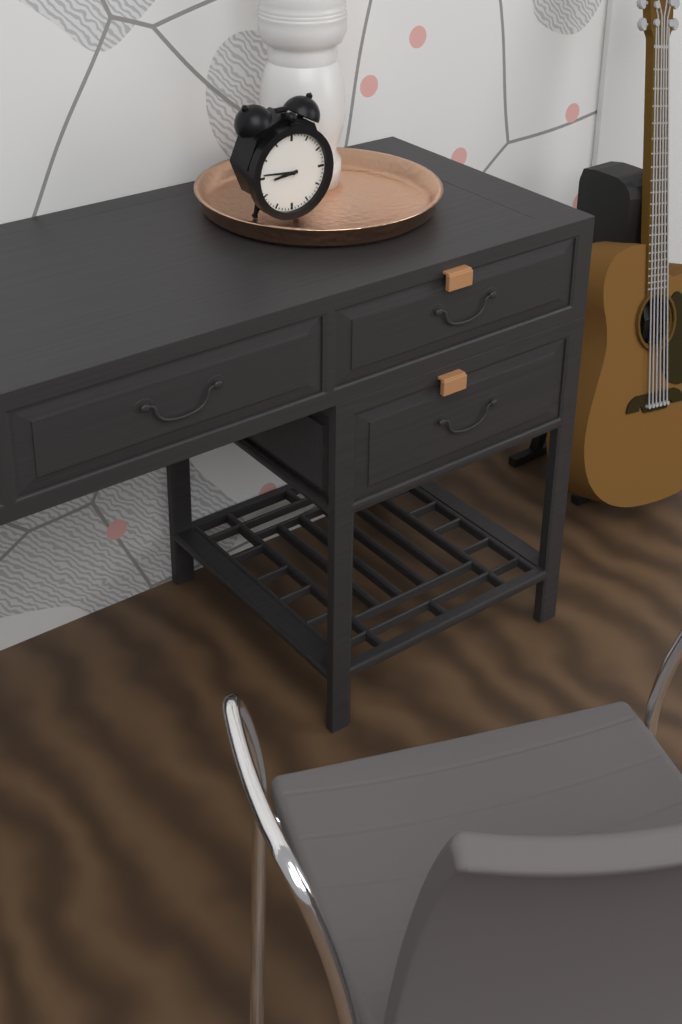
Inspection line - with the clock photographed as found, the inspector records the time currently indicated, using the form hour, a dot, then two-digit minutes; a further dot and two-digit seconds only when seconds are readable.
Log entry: 8.46
